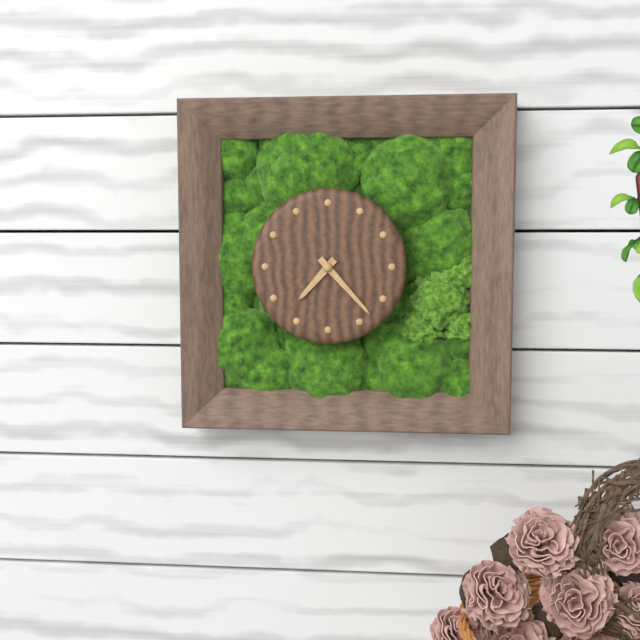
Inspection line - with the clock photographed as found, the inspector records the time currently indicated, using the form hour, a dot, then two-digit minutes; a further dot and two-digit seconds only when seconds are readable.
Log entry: 7.23
